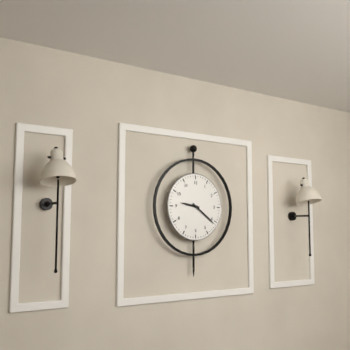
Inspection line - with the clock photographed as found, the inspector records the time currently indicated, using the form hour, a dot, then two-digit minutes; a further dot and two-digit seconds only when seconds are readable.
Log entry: 9.21
